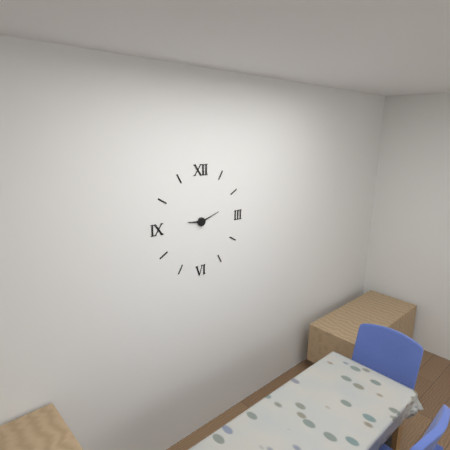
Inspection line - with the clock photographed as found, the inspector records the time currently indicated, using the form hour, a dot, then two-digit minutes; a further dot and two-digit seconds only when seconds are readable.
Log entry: 9.12
